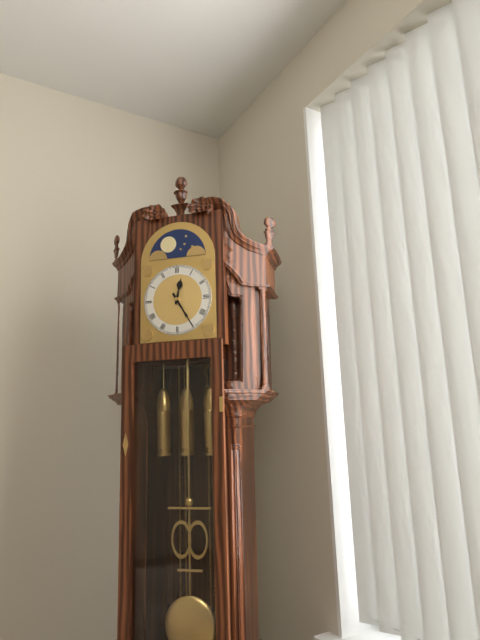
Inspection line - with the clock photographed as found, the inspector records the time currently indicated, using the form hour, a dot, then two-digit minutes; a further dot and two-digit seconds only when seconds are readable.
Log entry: 12.25
